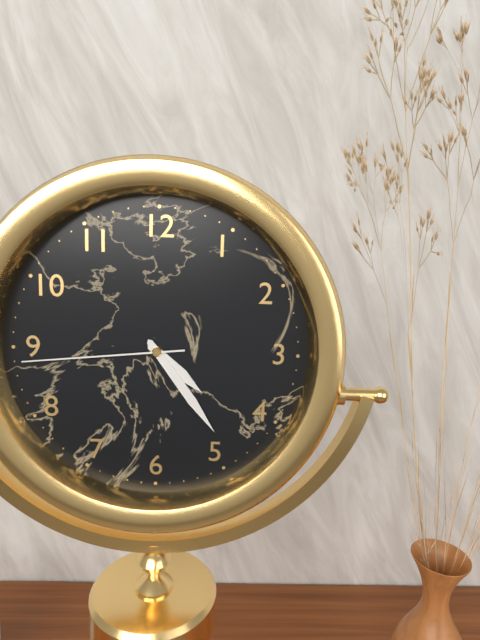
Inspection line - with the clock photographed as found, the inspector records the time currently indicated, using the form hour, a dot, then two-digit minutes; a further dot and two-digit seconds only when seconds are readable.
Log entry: 4.24.44
